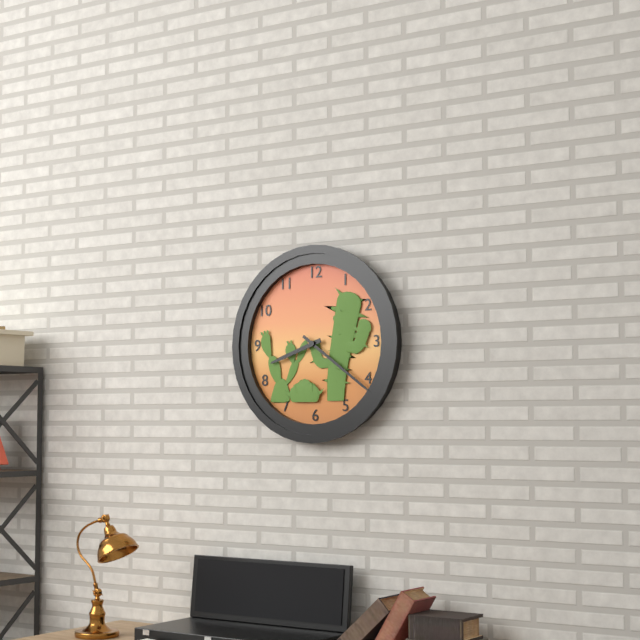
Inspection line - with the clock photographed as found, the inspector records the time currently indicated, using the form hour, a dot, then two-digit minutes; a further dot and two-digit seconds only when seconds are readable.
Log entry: 8.21
